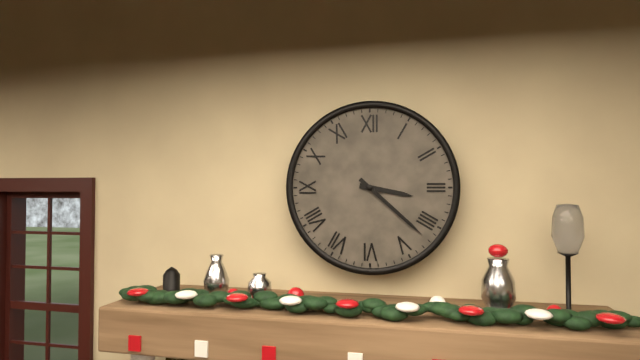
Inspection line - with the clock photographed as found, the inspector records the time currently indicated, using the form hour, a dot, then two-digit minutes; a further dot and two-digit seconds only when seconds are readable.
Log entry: 3.22
